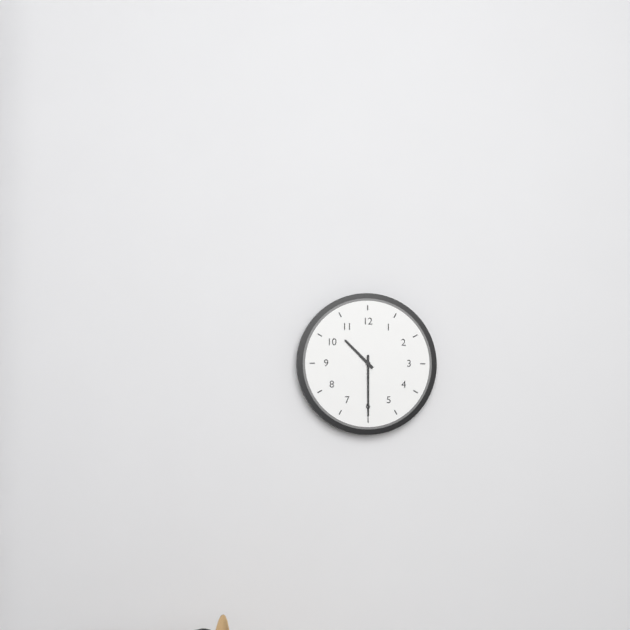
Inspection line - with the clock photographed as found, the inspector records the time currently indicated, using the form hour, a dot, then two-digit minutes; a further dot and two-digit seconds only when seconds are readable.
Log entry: 10.30
